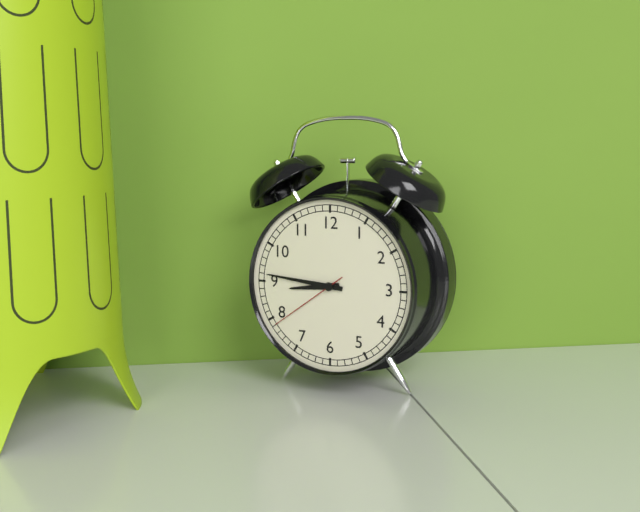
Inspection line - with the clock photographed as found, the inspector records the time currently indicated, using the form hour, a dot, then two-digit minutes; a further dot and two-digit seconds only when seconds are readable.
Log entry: 8.46.39
